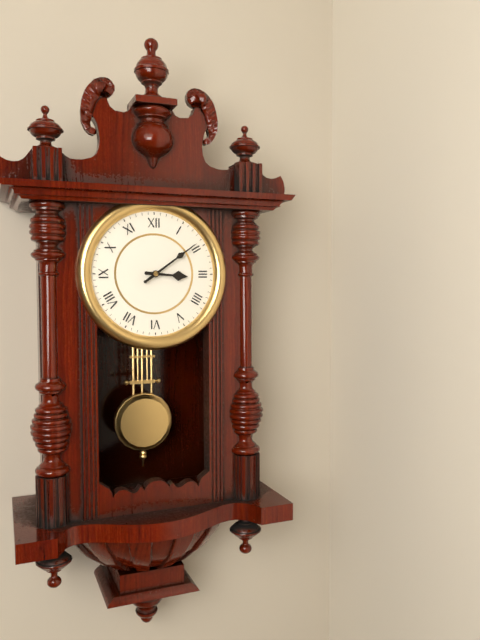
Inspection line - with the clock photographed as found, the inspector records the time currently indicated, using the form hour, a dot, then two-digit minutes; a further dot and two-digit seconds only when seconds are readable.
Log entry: 3.09
